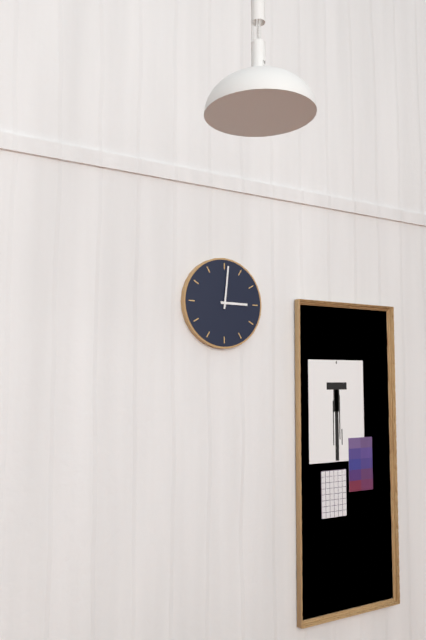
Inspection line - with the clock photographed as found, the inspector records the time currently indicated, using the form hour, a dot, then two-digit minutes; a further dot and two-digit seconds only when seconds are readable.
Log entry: 3.01
